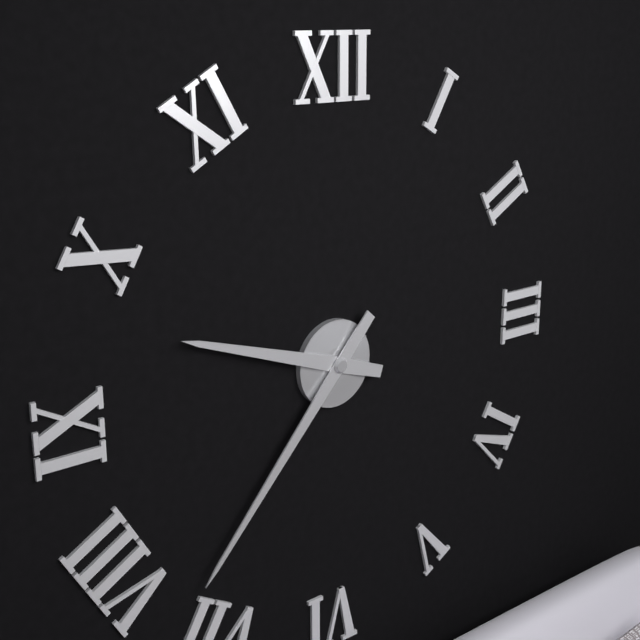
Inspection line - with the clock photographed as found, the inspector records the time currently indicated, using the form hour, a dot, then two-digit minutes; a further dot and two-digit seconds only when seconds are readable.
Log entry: 9.37
